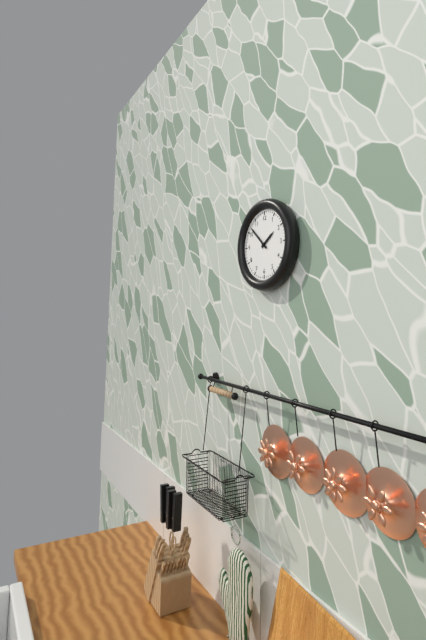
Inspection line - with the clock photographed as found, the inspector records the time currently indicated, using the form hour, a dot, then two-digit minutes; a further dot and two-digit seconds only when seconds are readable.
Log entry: 1.52
